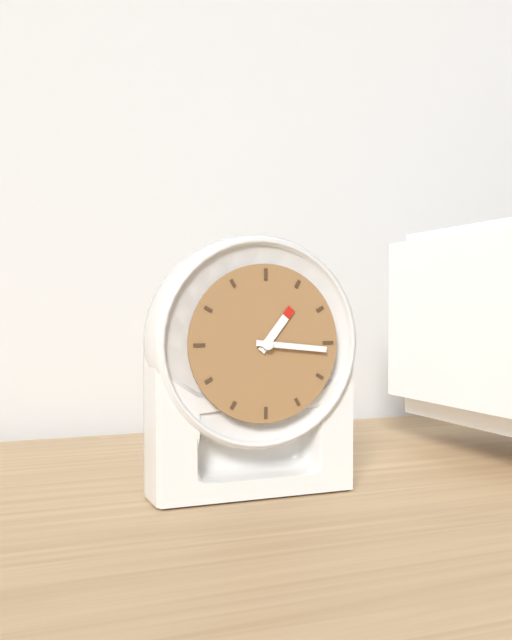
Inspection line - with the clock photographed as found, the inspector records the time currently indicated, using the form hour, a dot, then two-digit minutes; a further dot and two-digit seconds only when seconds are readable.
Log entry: 1.16
